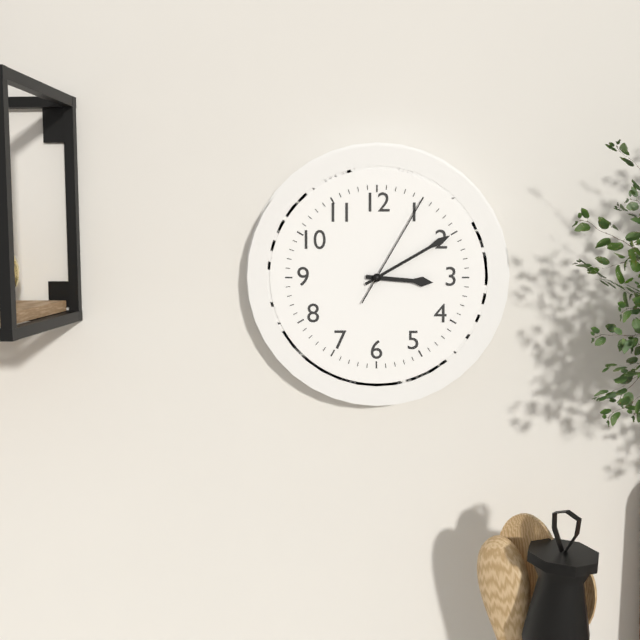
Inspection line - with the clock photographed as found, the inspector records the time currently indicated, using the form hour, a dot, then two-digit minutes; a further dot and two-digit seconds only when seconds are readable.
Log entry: 3.10.05
